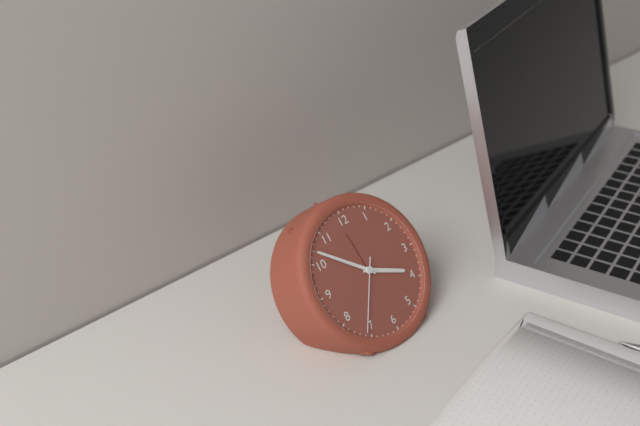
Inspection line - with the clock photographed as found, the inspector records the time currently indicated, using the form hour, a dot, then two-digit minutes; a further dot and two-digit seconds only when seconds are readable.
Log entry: 3.52.36
